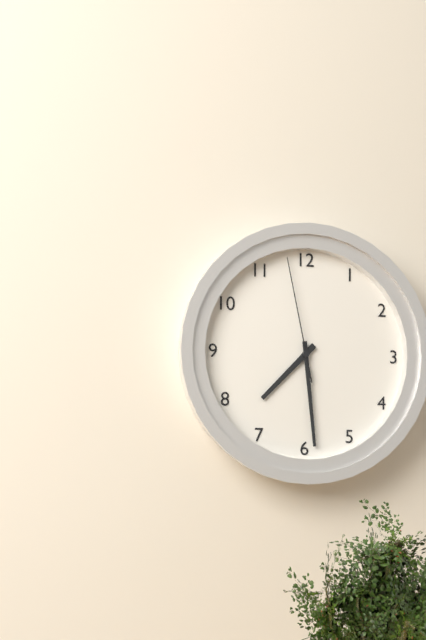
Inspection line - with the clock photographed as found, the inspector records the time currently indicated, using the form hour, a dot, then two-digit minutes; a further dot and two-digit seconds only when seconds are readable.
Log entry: 7.29.58
